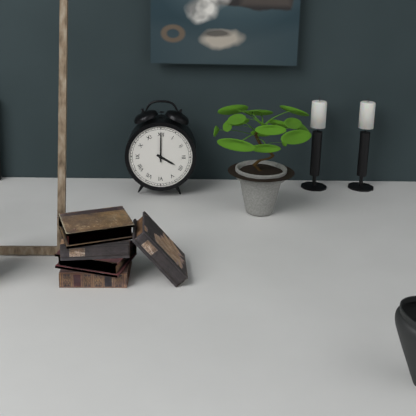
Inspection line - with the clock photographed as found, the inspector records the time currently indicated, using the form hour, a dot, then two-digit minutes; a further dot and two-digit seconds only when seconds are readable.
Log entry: 4.00
